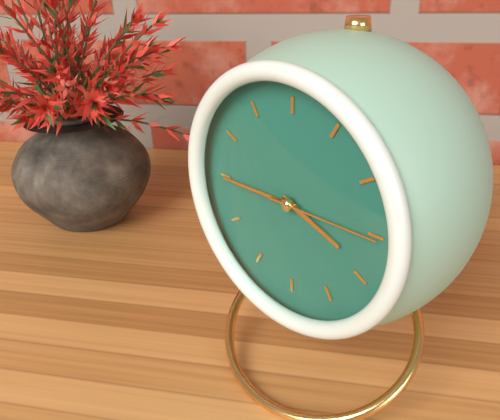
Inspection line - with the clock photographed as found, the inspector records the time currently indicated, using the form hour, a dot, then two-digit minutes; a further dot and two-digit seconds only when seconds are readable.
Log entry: 3.45.15
